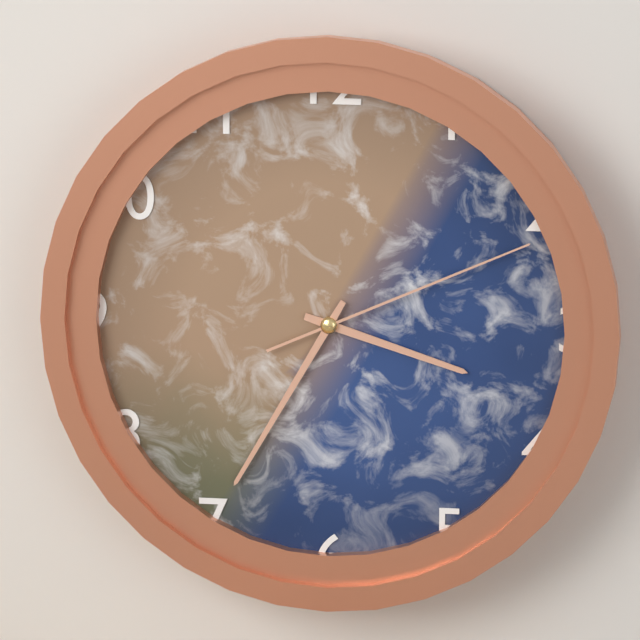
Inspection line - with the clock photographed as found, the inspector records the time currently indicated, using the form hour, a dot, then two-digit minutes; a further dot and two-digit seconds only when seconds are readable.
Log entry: 3.35.11
